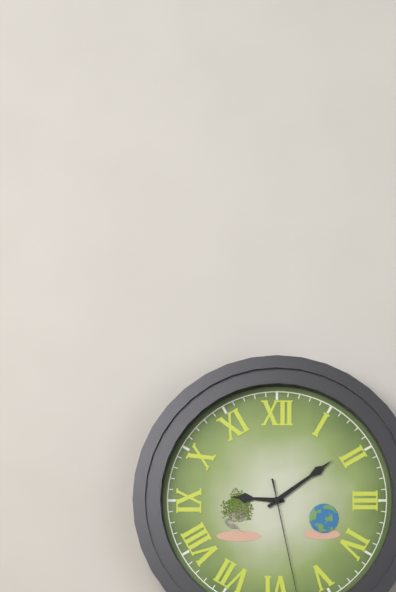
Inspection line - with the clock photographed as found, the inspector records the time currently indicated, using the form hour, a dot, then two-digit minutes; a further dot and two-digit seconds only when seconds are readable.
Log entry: 9.09
